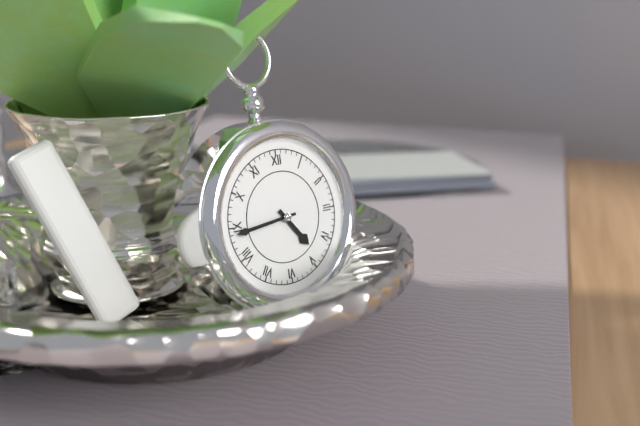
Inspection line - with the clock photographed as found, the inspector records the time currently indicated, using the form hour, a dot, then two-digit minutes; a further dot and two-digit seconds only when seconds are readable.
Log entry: 4.44
